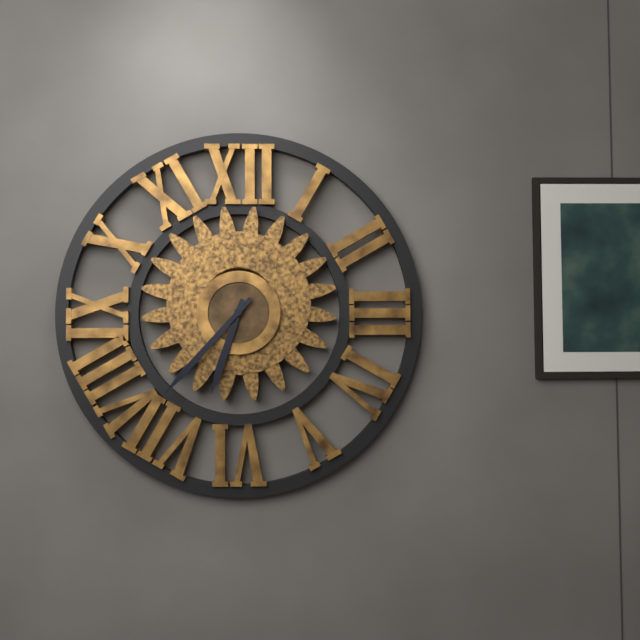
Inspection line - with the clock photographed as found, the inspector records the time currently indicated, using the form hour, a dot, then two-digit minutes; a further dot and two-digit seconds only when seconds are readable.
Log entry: 6.37
